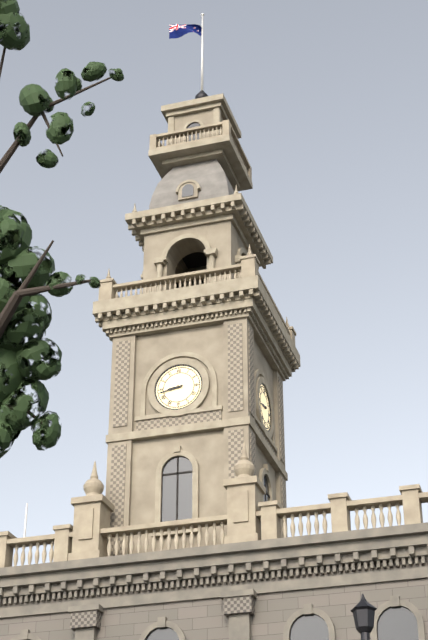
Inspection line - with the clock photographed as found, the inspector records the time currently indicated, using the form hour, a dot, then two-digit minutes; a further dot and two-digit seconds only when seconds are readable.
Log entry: 8.43
